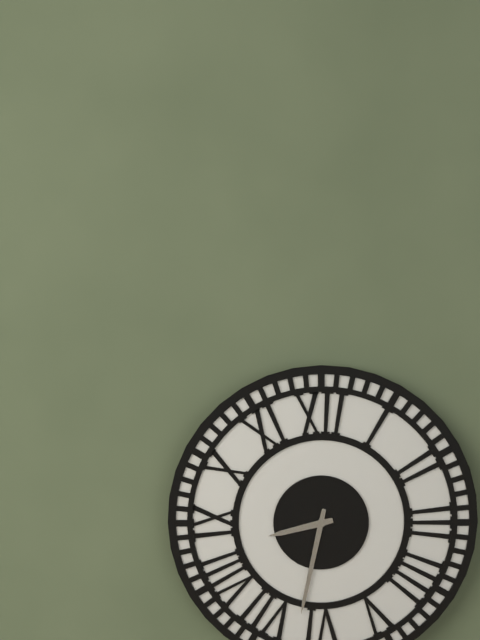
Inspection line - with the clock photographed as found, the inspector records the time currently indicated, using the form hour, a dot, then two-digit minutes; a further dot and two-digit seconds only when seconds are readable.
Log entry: 8.32
